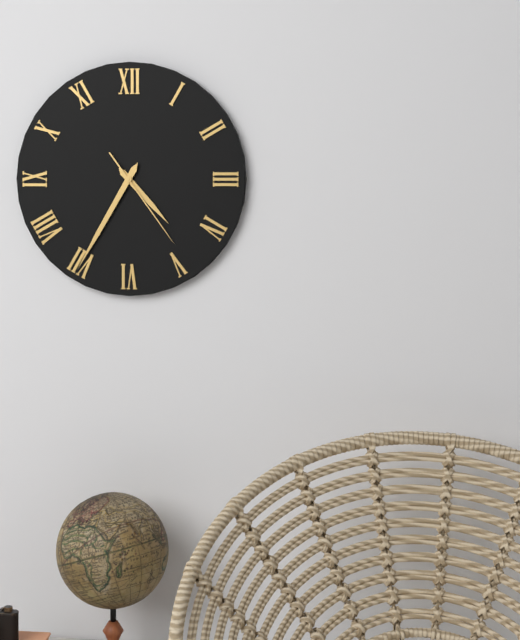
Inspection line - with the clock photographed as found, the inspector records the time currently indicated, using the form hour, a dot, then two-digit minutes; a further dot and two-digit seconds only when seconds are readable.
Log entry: 4.35.24
